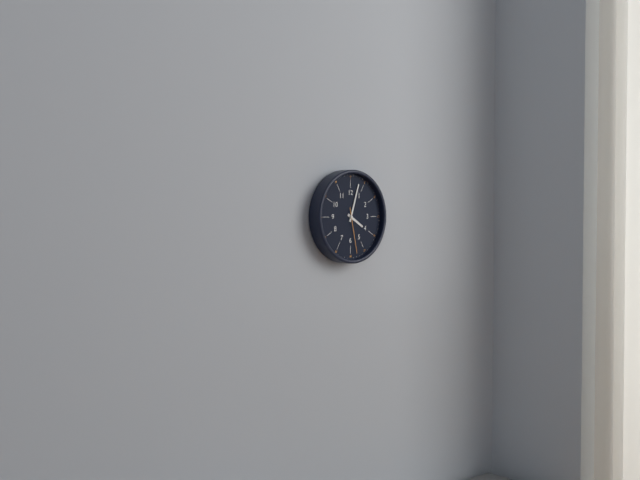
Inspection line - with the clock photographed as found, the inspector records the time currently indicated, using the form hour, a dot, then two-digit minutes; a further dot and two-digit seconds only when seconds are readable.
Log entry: 4.03
